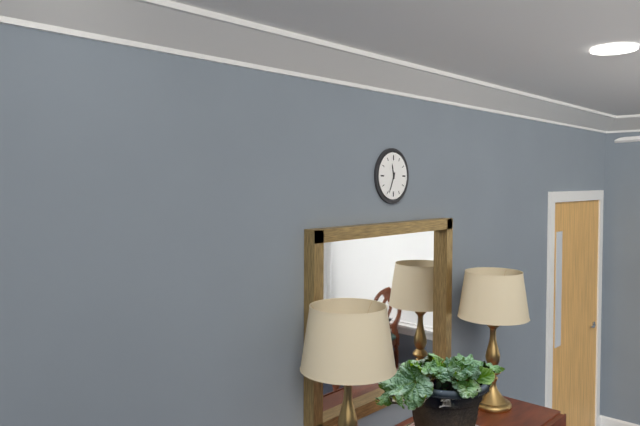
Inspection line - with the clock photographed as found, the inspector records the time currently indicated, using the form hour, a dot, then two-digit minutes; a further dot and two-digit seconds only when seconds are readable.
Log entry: 11.34
